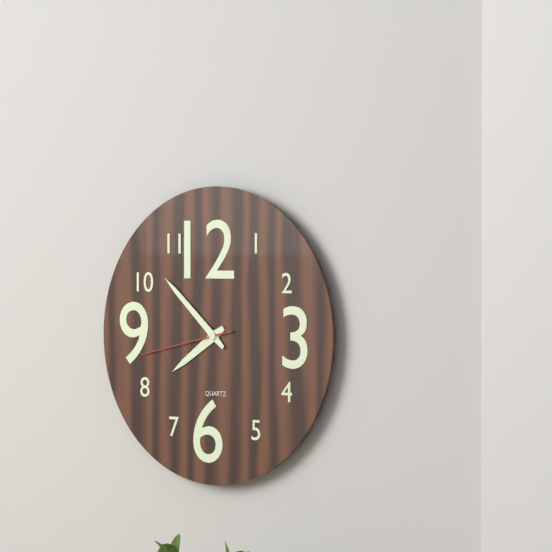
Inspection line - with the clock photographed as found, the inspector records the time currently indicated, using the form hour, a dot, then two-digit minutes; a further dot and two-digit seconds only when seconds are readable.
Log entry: 7.52.43
